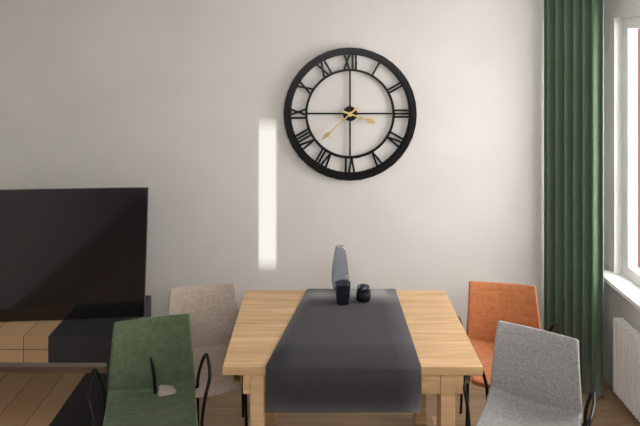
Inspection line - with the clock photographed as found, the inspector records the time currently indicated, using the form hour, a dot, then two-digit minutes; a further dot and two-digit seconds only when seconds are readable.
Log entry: 3.38
